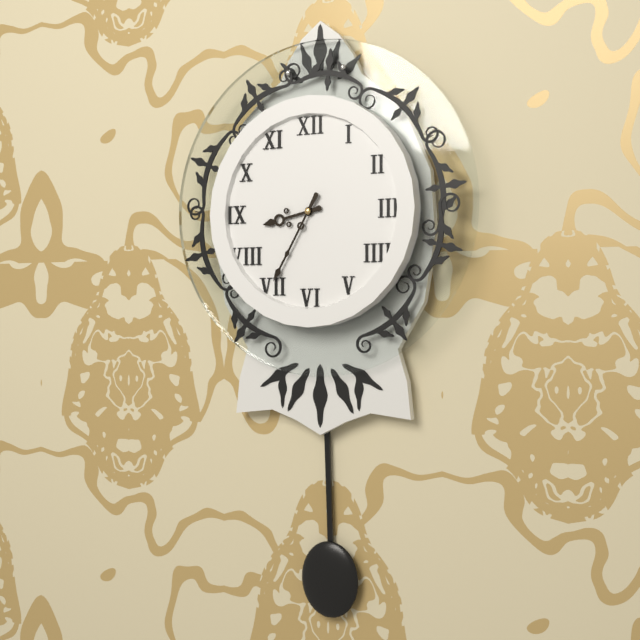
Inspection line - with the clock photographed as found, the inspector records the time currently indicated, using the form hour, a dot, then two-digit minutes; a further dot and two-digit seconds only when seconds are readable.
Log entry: 8.35
